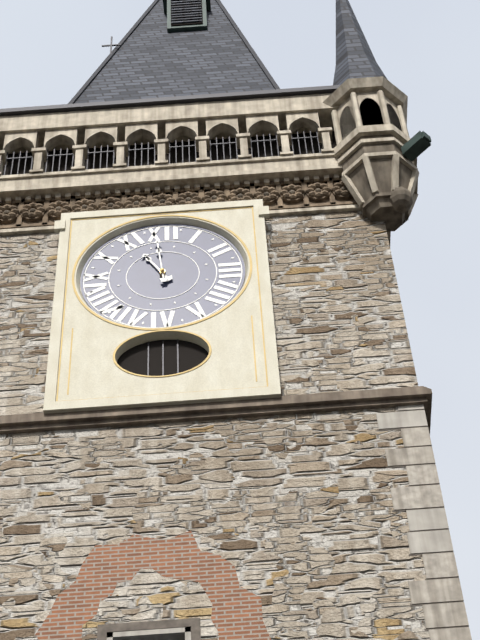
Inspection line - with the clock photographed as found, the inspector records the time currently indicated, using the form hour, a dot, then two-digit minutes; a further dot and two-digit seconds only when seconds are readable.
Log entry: 10.59
